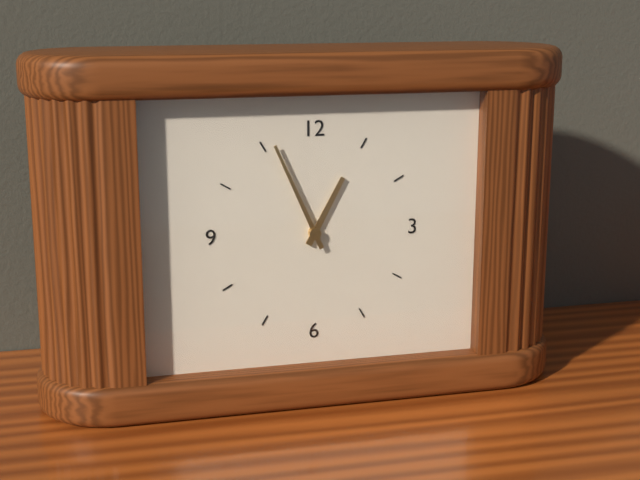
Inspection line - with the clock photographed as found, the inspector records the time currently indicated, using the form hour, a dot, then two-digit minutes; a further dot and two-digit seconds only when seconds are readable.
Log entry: 12.56
